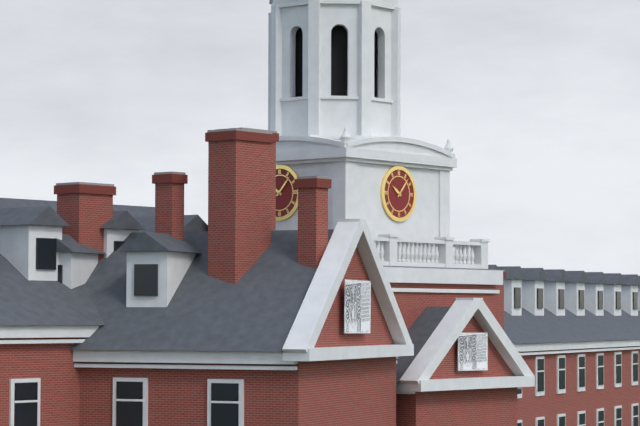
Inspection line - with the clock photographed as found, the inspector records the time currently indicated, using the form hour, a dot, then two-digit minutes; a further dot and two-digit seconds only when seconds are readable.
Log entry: 10.07
